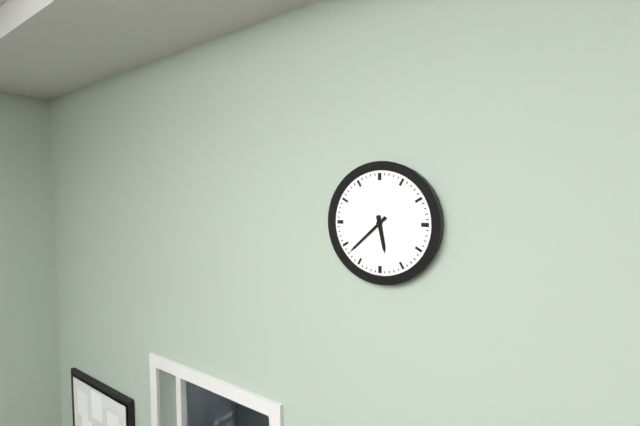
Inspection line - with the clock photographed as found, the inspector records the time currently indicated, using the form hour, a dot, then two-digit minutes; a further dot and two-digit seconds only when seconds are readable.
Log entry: 5.38
